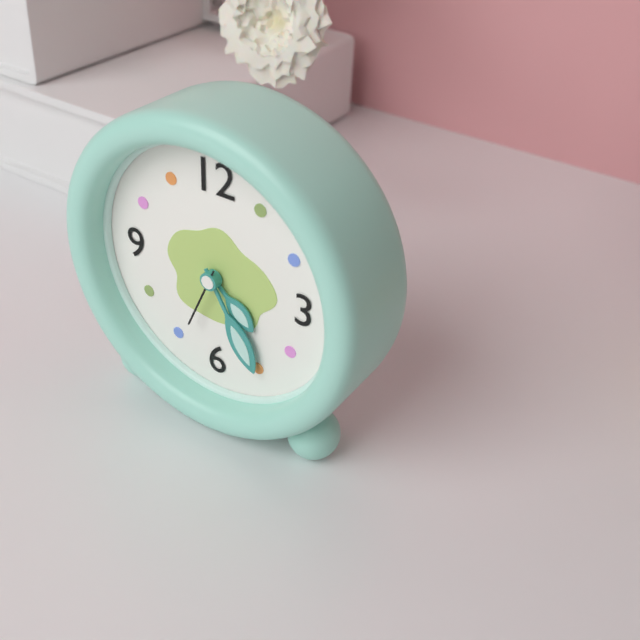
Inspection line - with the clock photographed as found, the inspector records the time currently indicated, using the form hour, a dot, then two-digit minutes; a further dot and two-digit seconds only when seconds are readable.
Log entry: 4.25.34
